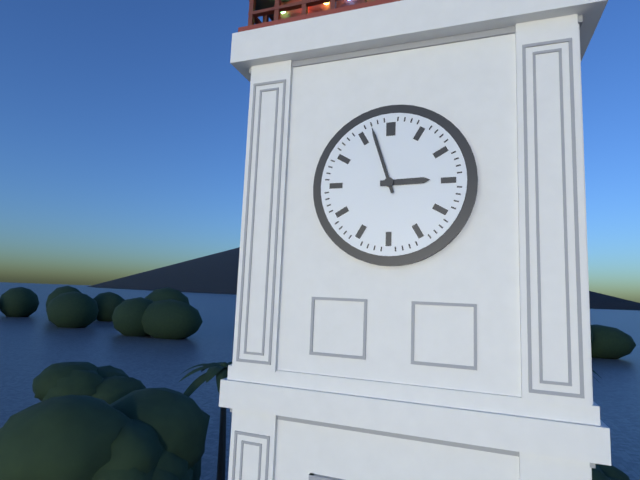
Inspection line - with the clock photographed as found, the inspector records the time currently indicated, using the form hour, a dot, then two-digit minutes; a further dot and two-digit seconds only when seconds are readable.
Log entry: 2.57
